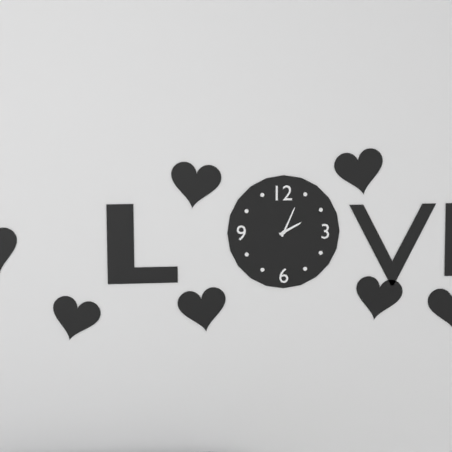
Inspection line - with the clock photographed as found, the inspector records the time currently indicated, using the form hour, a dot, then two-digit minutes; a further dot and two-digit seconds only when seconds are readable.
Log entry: 2.04
